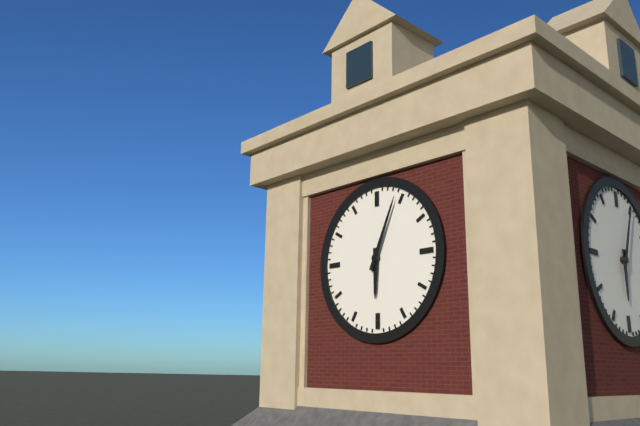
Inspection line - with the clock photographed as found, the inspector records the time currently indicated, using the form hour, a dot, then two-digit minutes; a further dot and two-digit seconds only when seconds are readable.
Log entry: 6.04
